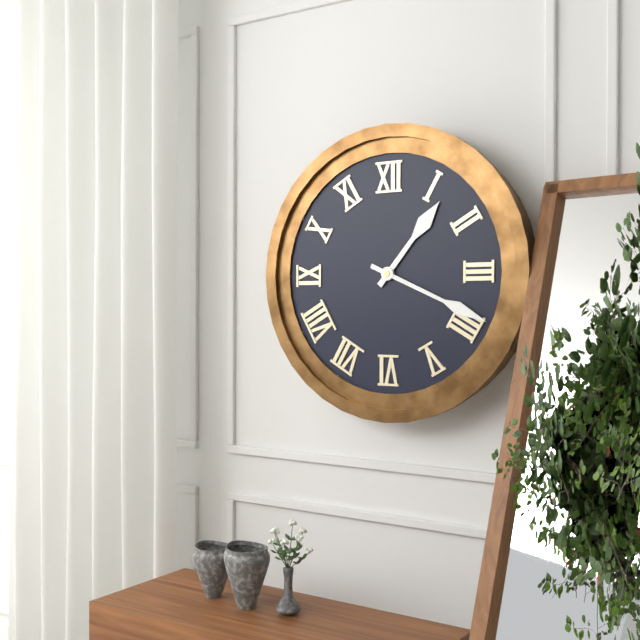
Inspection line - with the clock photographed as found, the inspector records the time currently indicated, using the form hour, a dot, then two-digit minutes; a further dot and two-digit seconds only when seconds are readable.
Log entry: 1.19
